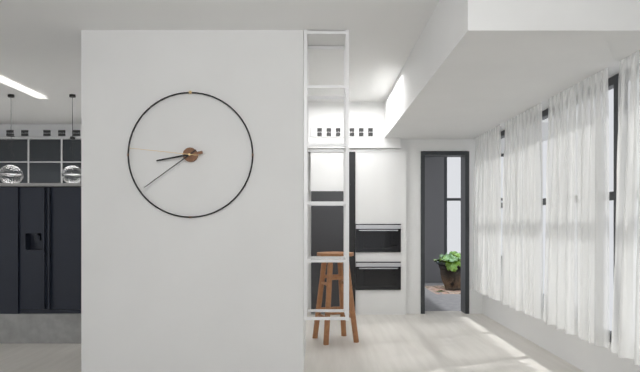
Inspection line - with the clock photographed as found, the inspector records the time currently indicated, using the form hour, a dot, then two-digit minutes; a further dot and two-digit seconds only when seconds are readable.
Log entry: 8.39.46
